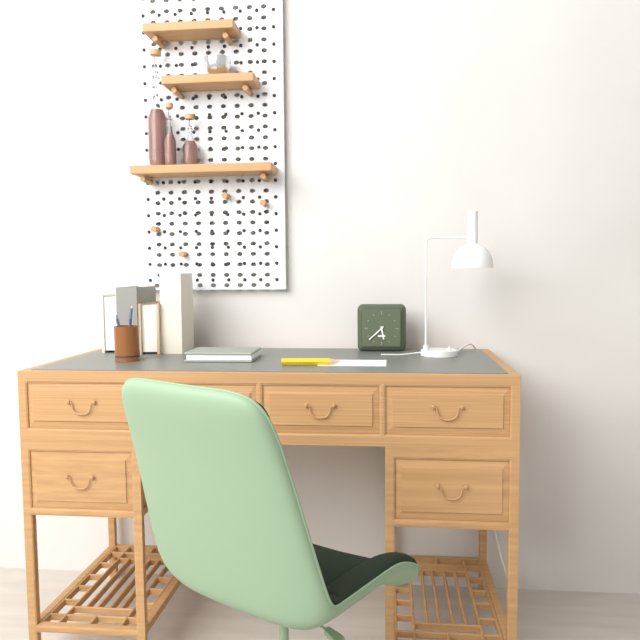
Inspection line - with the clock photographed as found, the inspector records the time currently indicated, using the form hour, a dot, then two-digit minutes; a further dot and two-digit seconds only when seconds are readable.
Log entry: 5.38
